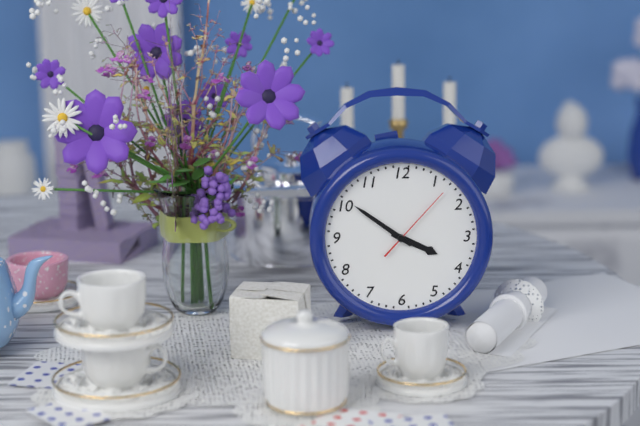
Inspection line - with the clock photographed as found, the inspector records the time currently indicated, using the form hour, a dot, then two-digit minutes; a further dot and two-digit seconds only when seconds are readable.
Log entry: 3.51.07
